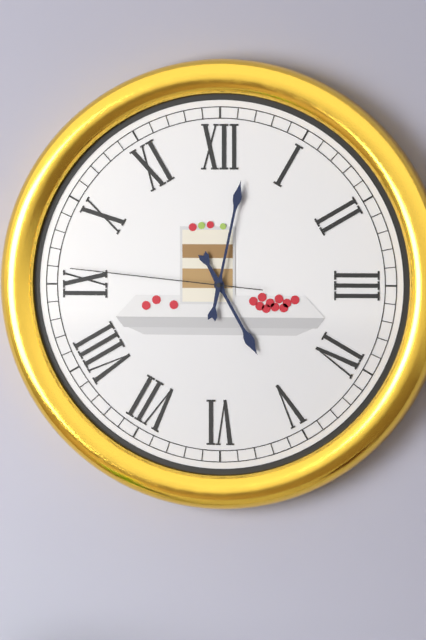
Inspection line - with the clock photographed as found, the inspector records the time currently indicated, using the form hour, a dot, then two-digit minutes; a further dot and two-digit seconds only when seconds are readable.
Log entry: 5.02.46
